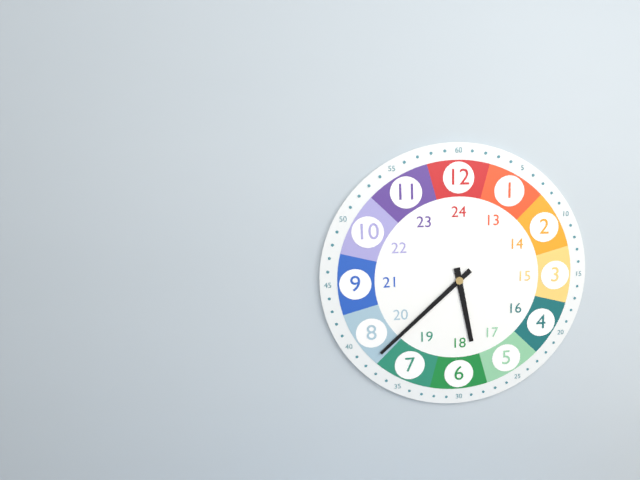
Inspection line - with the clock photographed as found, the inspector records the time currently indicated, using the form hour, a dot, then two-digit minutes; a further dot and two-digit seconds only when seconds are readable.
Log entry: 5.38
